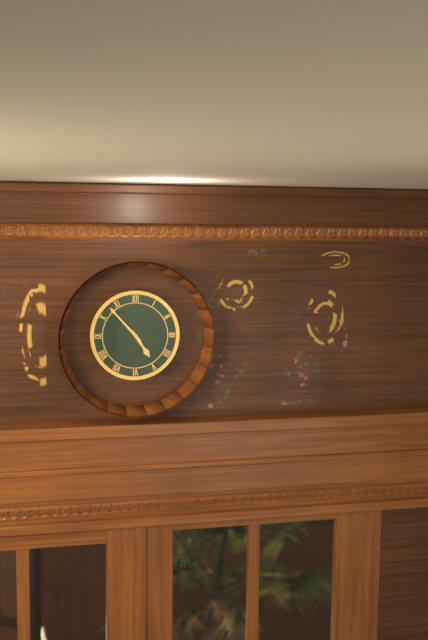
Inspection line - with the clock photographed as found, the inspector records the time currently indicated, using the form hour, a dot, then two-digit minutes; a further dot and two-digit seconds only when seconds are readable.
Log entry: 4.53
